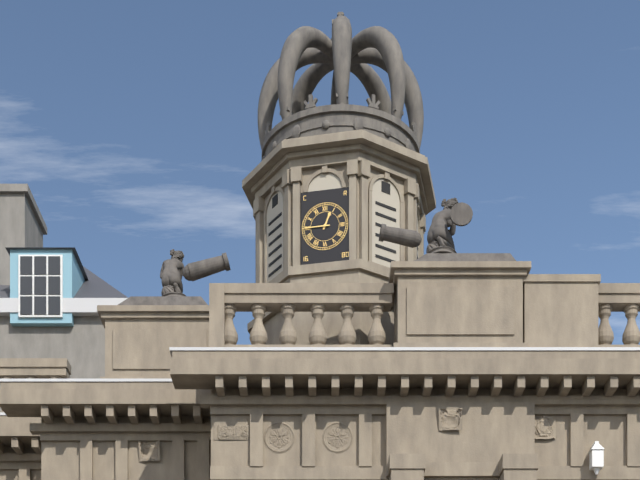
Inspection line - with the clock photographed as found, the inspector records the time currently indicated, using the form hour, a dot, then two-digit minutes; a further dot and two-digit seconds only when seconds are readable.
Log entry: 12.45
